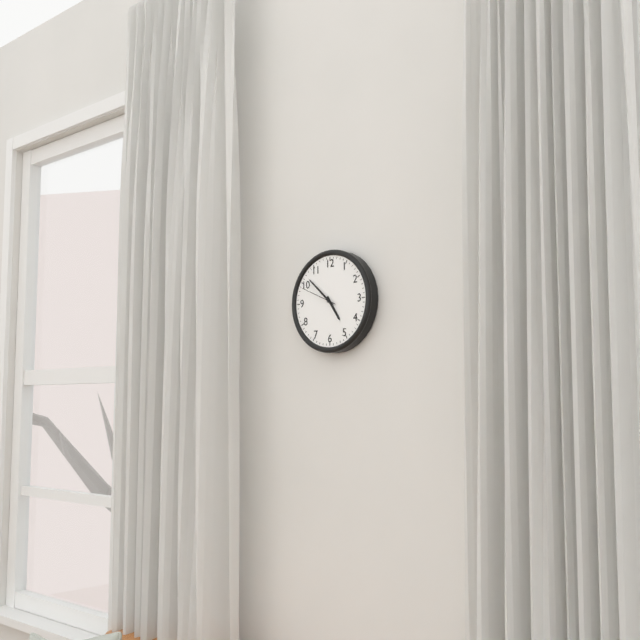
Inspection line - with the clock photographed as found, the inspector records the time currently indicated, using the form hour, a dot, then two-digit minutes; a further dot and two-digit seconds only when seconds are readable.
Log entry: 4.52
